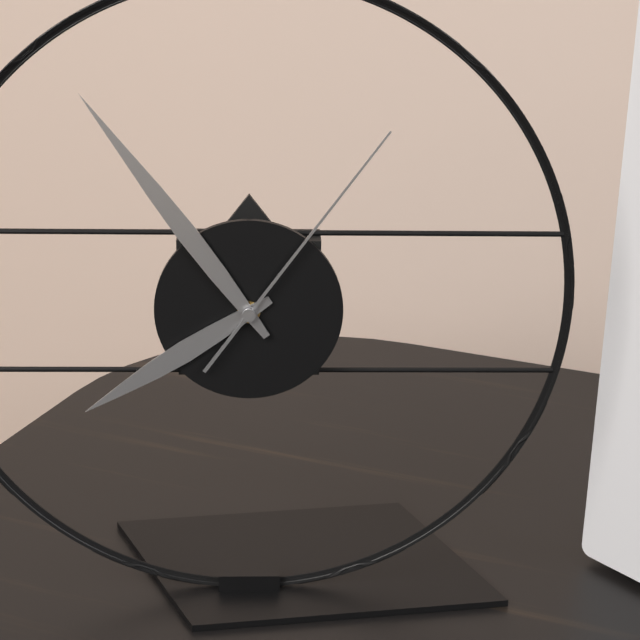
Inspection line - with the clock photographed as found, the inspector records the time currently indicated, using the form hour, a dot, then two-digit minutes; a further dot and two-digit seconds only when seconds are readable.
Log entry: 7.54.06
